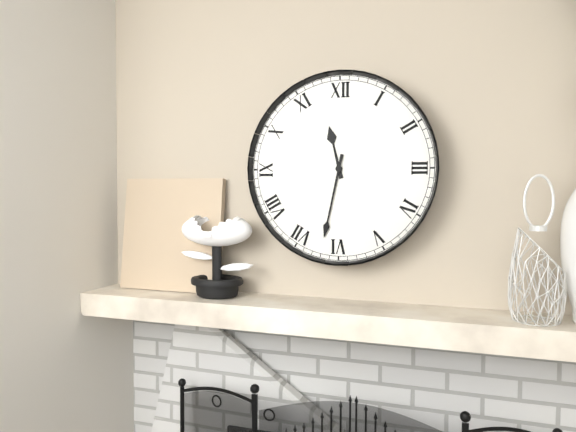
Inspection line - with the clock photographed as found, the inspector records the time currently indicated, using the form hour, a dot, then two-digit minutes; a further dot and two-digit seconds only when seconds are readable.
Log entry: 11.32
